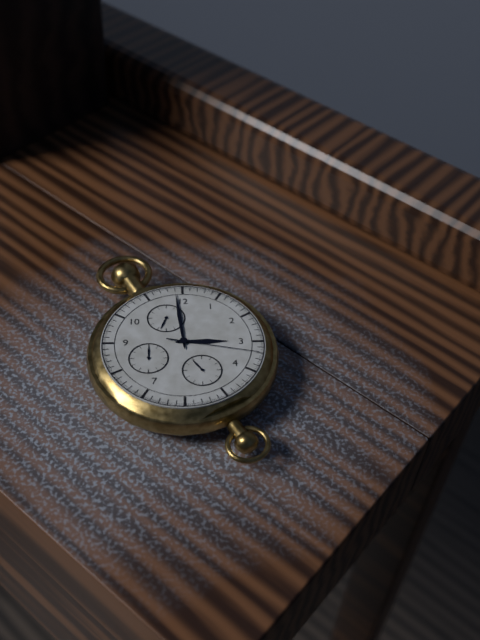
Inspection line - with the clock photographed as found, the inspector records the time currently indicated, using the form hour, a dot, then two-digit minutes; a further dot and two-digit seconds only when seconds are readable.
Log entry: 2.59.17
